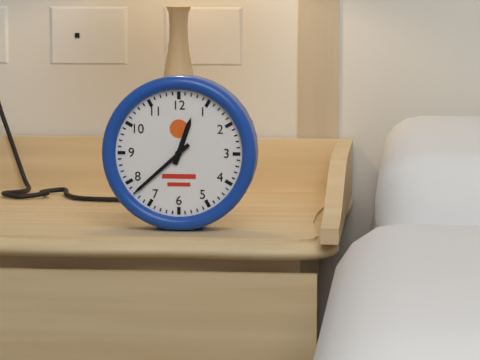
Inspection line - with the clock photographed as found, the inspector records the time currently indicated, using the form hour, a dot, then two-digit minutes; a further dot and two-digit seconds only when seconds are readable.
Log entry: 12.38
